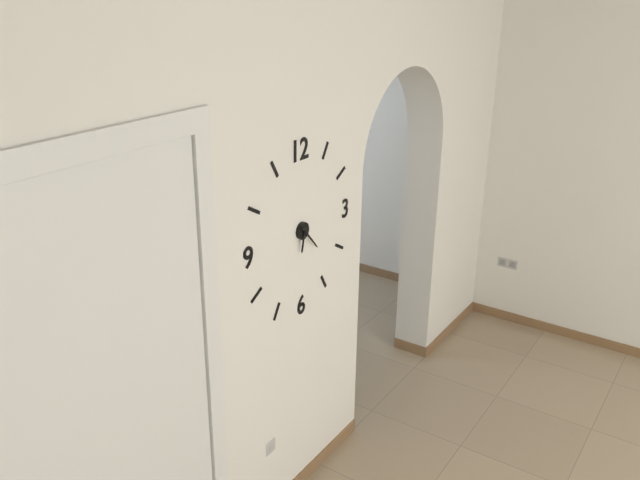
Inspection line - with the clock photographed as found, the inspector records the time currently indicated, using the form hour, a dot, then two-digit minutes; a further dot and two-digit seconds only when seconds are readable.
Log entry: 6.23
